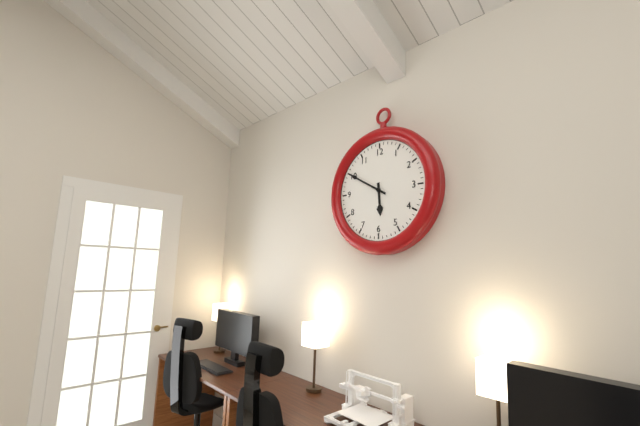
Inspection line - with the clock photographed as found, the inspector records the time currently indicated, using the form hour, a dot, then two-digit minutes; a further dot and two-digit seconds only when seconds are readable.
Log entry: 5.50
